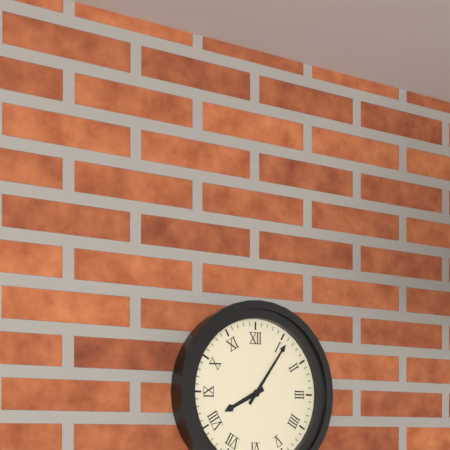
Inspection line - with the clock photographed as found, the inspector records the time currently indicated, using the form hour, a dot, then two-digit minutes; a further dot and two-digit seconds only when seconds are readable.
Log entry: 8.06
